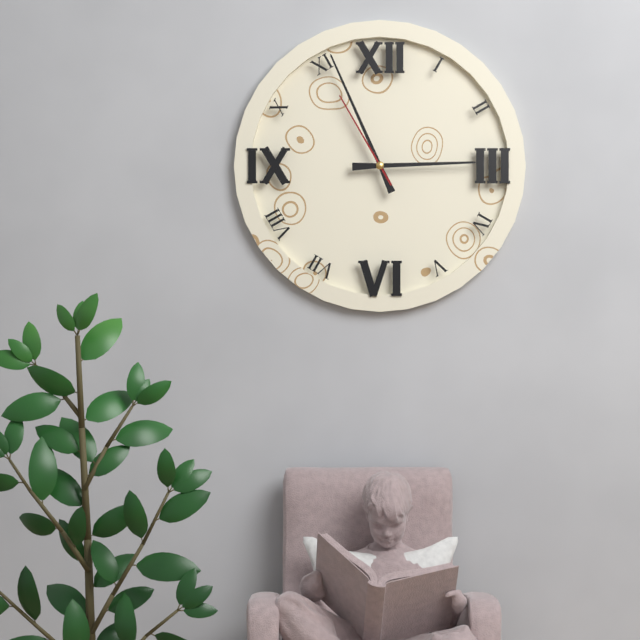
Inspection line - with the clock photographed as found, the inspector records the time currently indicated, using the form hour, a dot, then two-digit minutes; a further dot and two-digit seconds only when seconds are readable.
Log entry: 2.56.55
